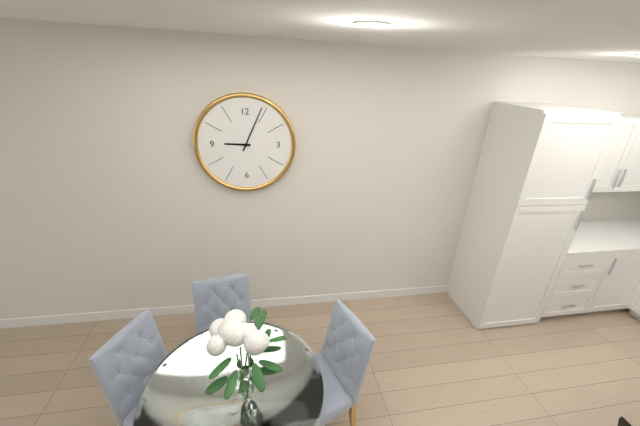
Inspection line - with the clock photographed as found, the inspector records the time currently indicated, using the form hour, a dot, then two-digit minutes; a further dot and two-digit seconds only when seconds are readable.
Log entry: 9.04
